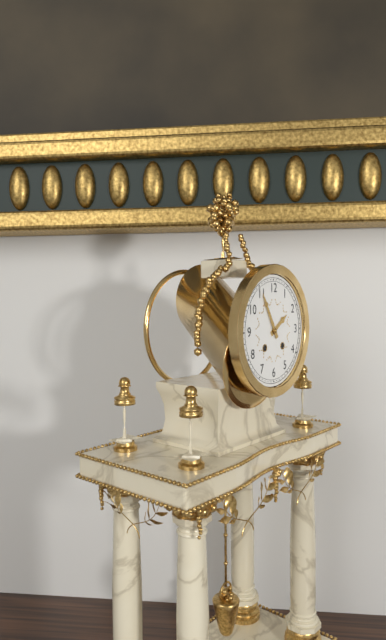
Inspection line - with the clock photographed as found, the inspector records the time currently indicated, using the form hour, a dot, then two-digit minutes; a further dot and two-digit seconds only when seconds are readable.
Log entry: 1.55
